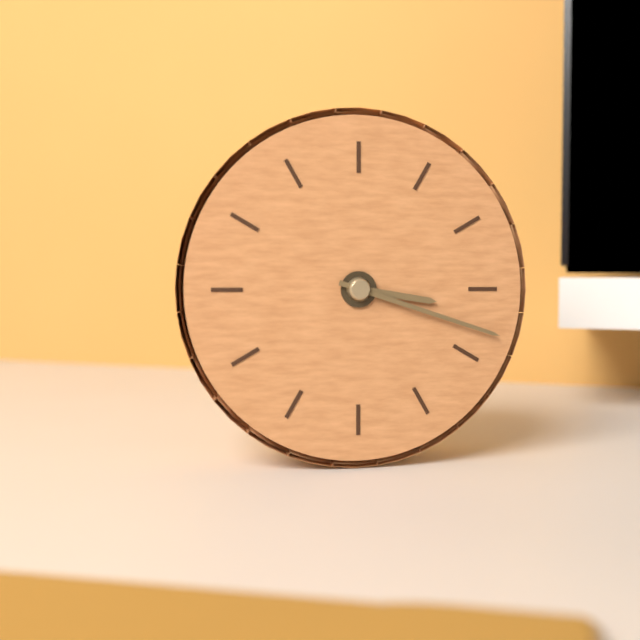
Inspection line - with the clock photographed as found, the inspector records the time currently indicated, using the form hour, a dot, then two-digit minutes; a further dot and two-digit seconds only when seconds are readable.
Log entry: 3.18
